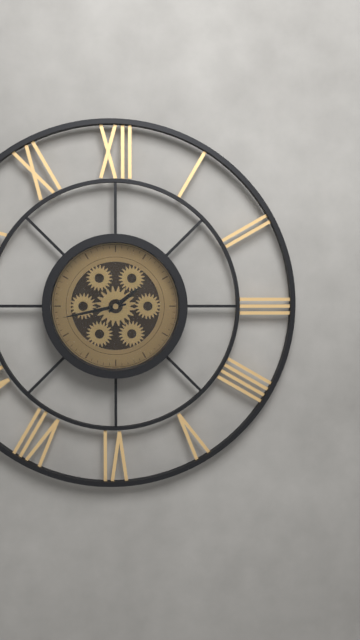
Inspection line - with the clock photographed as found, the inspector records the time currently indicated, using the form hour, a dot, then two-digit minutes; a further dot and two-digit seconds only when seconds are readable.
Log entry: 1.43
